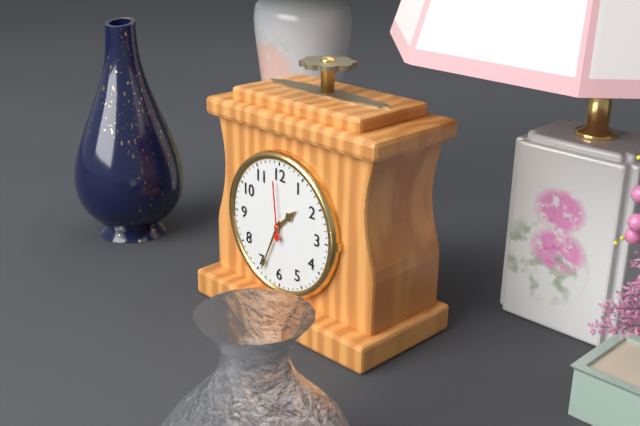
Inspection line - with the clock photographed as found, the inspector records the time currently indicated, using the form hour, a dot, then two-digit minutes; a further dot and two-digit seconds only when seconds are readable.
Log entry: 1.34.59
